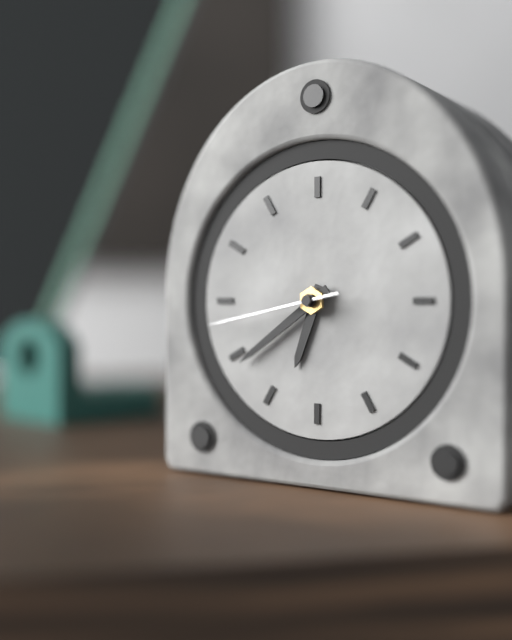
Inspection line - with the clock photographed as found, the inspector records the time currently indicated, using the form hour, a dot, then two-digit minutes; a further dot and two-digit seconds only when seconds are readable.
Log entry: 6.39.43
